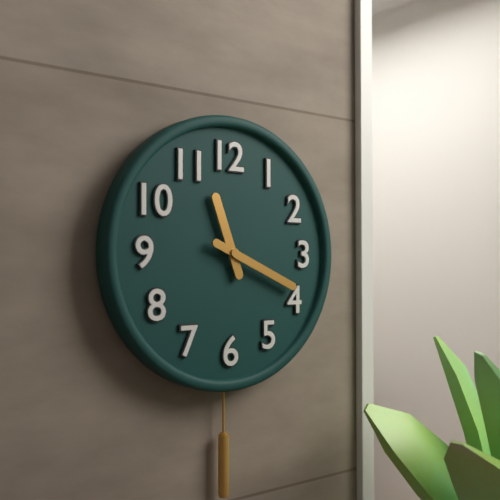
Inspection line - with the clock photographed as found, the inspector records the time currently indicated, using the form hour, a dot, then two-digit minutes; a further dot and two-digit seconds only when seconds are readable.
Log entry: 11.19
